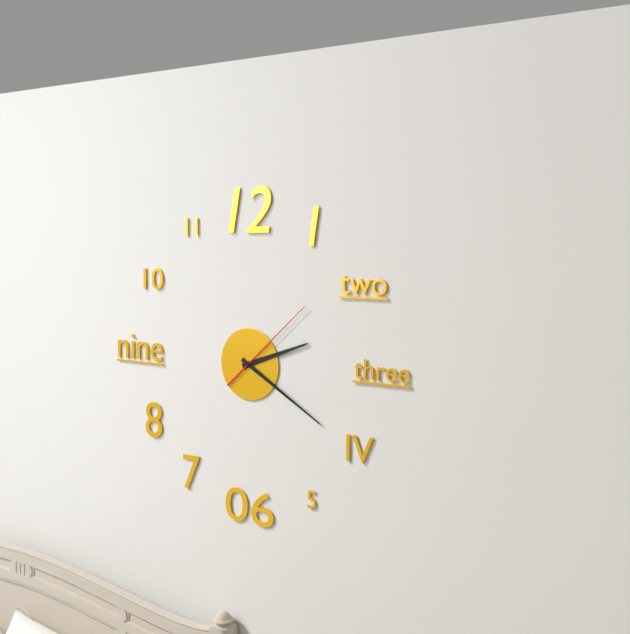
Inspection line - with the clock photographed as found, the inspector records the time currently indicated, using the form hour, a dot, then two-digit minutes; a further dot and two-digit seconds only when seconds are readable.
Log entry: 2.20.08
